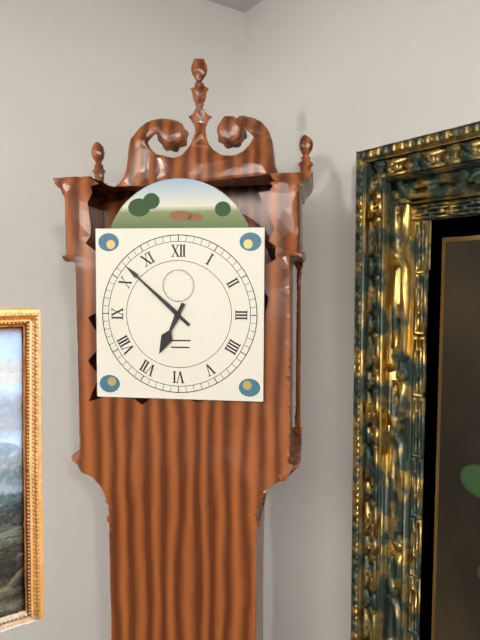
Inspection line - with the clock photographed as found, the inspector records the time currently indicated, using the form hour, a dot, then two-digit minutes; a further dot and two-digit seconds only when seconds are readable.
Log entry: 6.52
